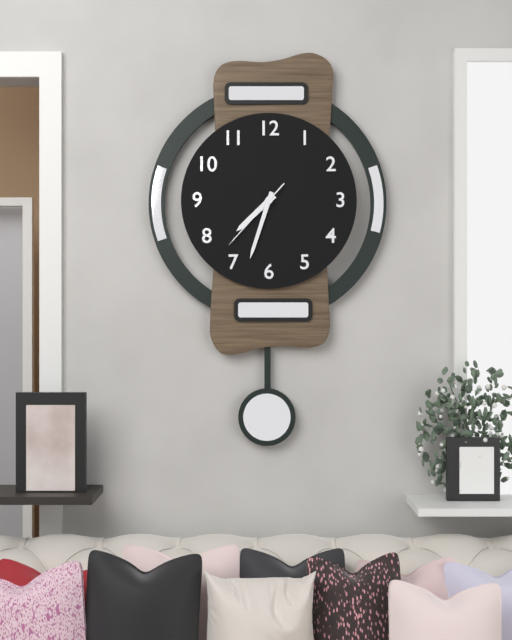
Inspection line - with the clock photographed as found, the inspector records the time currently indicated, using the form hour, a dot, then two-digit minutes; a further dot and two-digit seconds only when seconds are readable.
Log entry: 7.33.37
